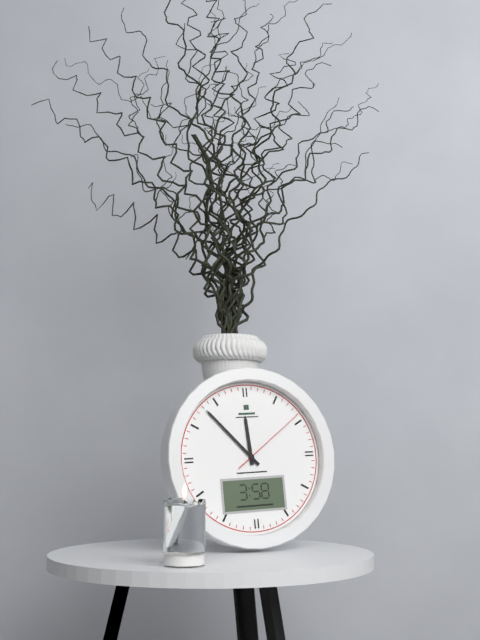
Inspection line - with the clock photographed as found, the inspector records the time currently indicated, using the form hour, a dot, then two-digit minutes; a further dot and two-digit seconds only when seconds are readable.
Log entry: 11.53.09
